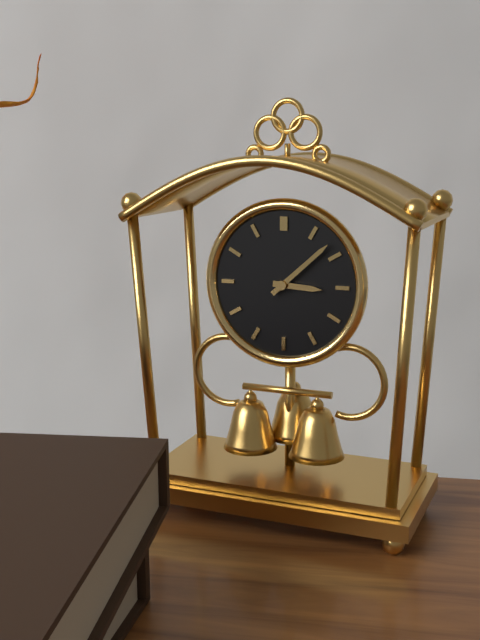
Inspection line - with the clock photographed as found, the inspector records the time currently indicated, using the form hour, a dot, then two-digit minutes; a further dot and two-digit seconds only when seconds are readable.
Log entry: 3.08
